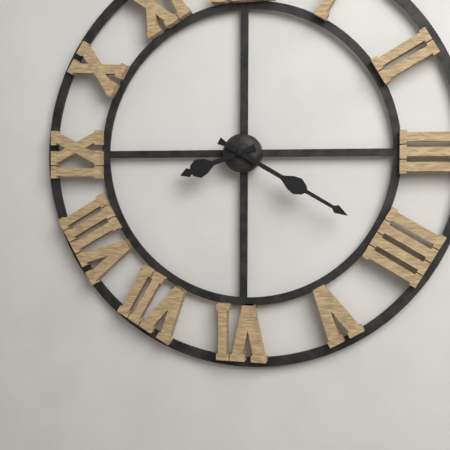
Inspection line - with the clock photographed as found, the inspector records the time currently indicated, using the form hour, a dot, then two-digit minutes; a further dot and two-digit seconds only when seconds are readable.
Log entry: 8.20
